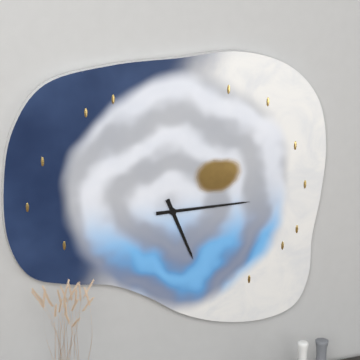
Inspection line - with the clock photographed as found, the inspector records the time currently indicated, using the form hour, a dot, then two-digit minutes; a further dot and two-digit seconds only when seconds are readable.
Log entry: 5.15
